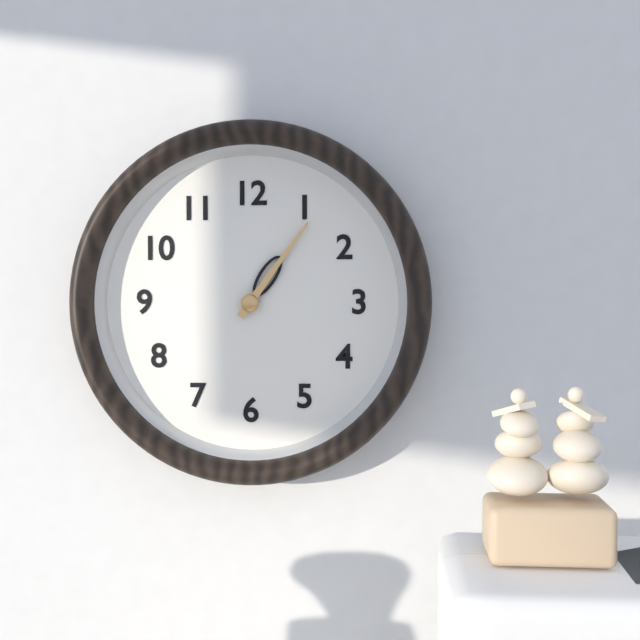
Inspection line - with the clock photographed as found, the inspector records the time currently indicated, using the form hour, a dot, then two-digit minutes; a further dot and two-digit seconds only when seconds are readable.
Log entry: 1.06
